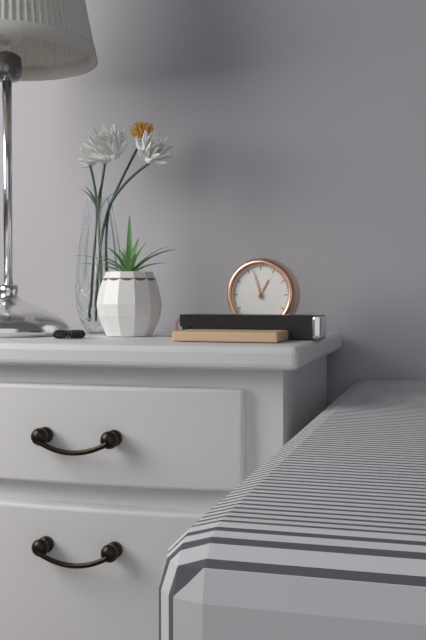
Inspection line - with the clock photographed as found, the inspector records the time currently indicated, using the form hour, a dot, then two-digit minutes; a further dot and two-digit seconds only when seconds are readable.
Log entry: 12.57
